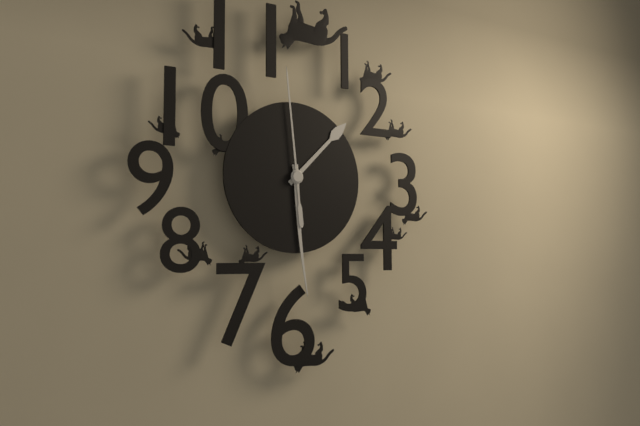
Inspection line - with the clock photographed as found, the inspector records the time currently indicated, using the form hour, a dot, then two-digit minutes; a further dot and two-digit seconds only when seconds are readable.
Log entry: 1.29.59
